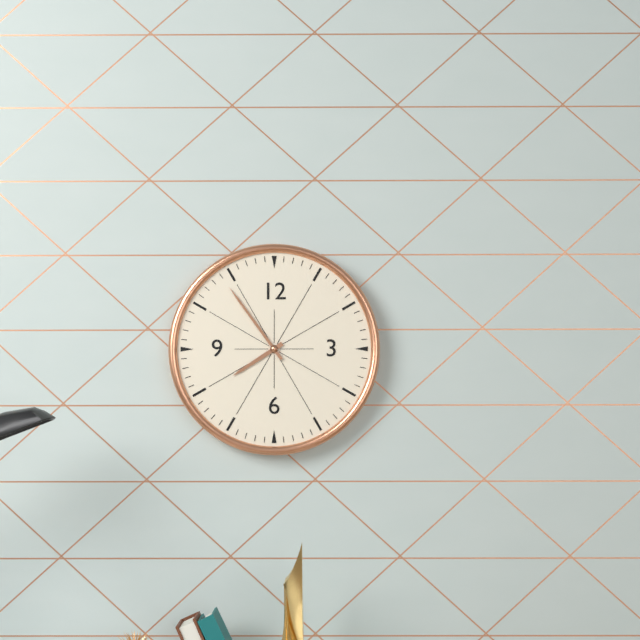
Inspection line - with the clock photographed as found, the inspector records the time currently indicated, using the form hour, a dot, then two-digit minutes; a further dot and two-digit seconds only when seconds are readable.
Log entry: 7.54
